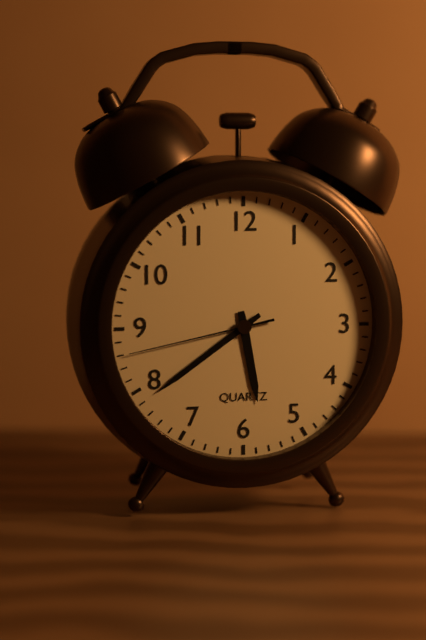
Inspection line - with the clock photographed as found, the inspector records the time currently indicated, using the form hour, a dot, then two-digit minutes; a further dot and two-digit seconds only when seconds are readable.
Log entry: 5.39.43
